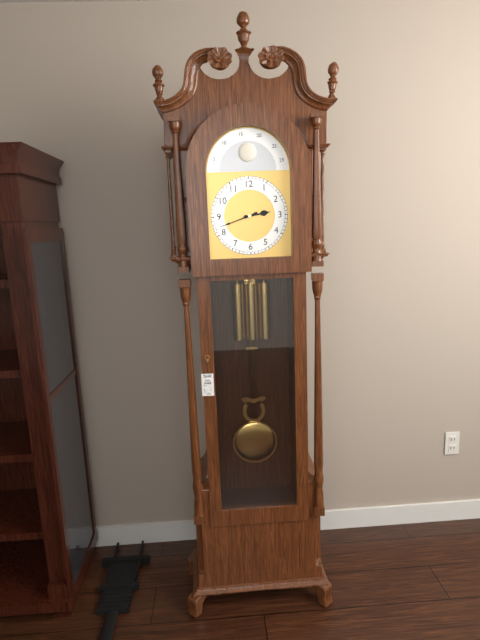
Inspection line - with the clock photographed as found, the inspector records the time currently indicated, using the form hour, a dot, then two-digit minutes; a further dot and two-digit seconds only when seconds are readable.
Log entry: 2.42
